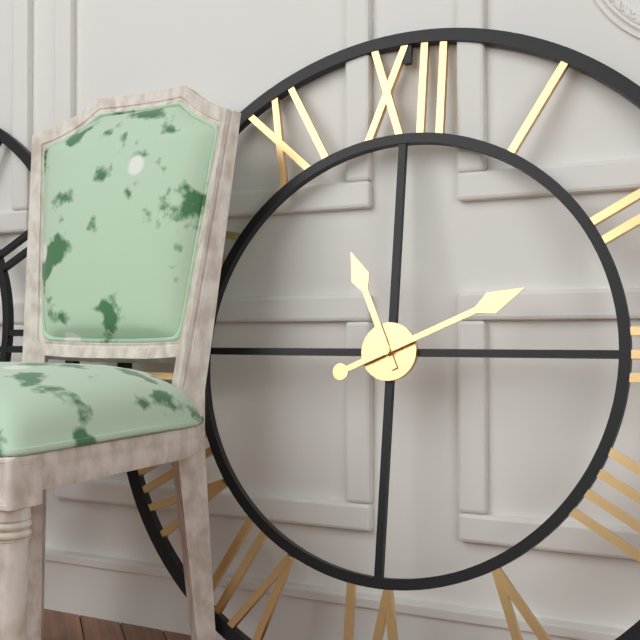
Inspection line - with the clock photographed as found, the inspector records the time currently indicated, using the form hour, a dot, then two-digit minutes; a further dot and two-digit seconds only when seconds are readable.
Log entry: 11.11
